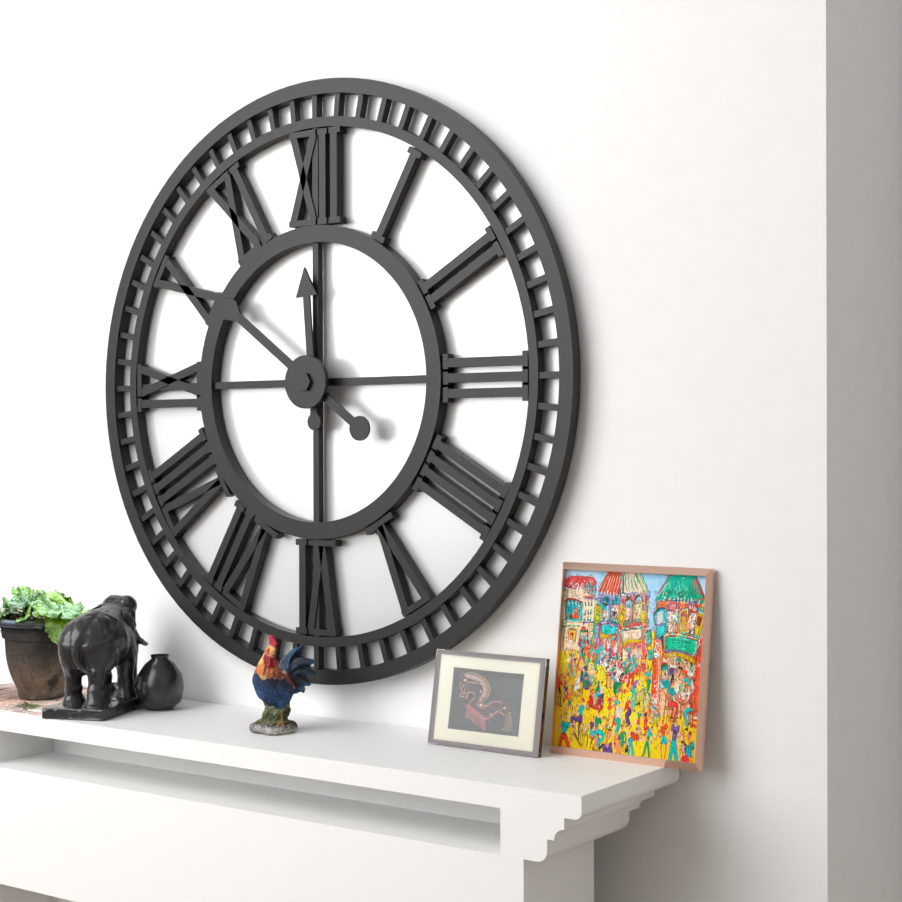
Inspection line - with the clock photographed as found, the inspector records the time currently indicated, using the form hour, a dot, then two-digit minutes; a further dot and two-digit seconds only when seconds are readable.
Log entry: 11.51
